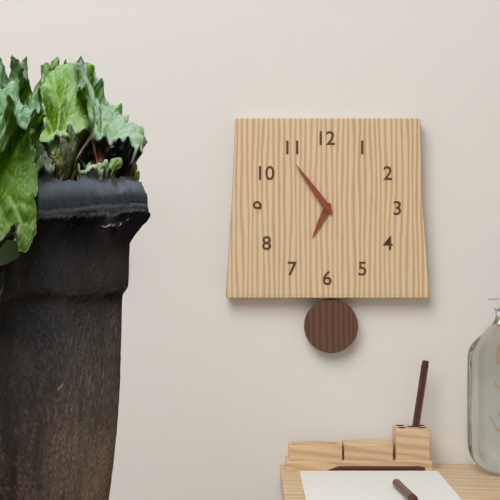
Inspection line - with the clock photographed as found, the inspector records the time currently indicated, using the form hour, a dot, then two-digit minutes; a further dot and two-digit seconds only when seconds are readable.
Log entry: 6.54
